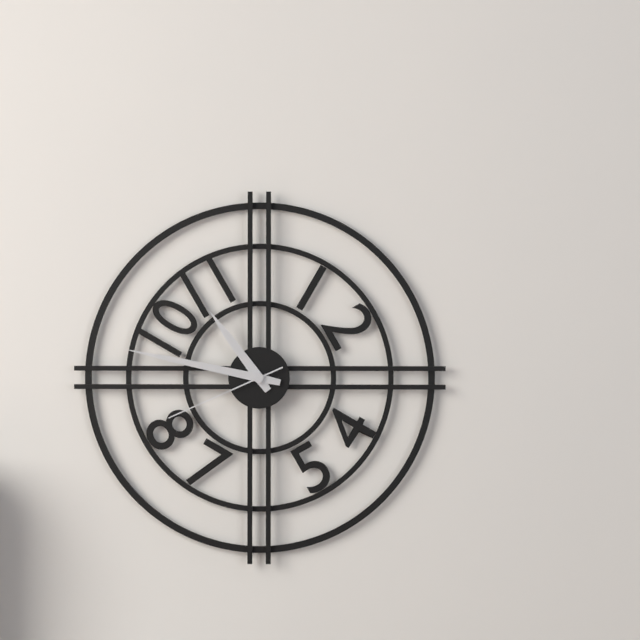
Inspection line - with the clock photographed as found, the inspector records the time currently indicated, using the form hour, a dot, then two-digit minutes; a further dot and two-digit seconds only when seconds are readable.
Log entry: 10.47.41
